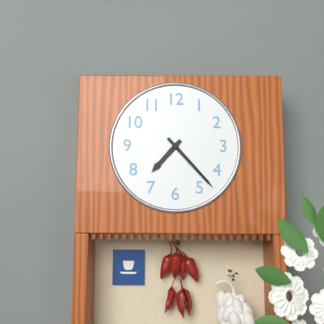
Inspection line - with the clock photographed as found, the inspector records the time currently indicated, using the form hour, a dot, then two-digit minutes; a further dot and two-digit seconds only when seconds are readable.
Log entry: 7.23
